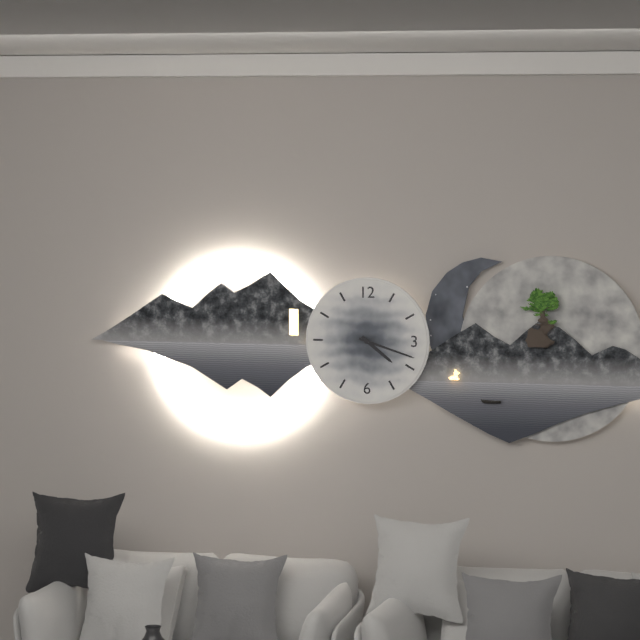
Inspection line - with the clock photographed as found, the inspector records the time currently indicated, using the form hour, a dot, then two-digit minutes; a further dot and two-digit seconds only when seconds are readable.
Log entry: 4.18
